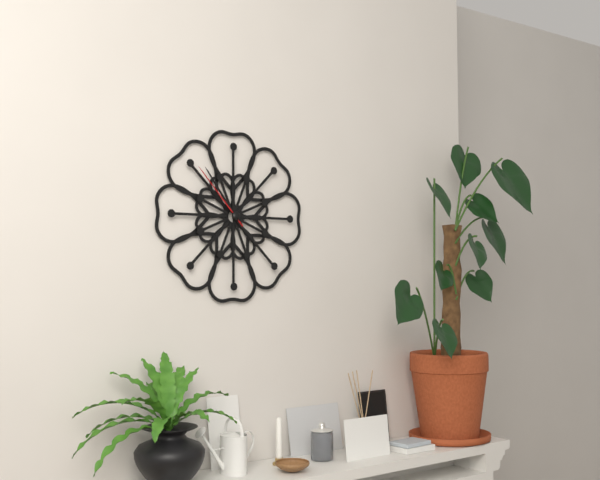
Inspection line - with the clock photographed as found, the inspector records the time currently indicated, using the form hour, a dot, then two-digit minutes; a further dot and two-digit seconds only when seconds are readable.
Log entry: 11.54.53
